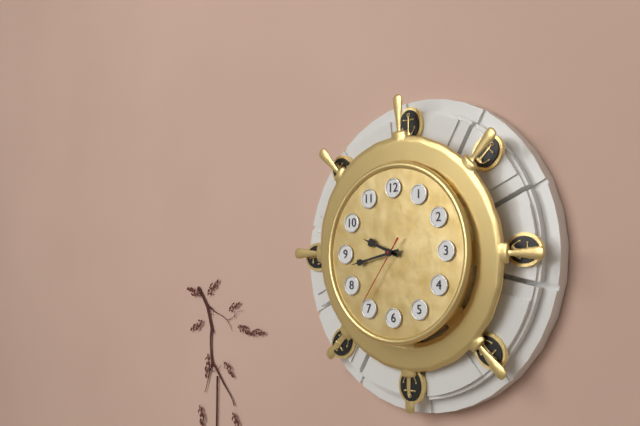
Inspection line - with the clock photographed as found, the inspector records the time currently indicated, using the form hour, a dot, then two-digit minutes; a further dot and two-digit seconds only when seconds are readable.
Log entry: 9.43.36
